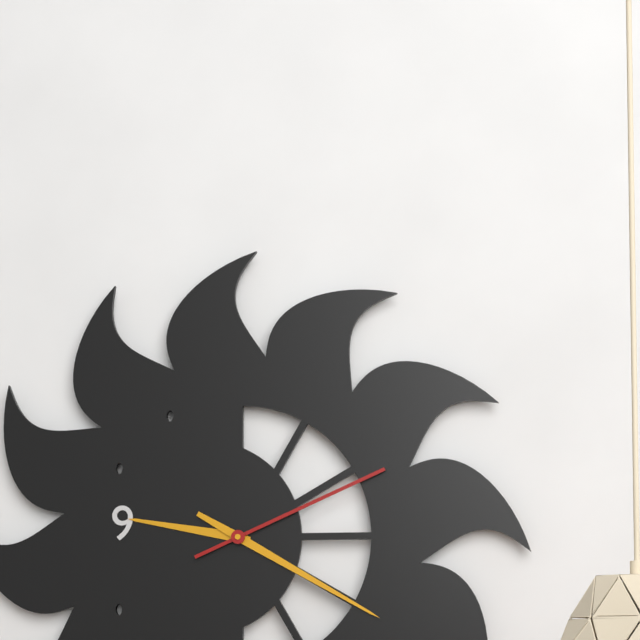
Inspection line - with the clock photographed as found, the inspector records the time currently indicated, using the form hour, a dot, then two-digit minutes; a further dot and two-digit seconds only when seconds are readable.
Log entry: 9.20.11
